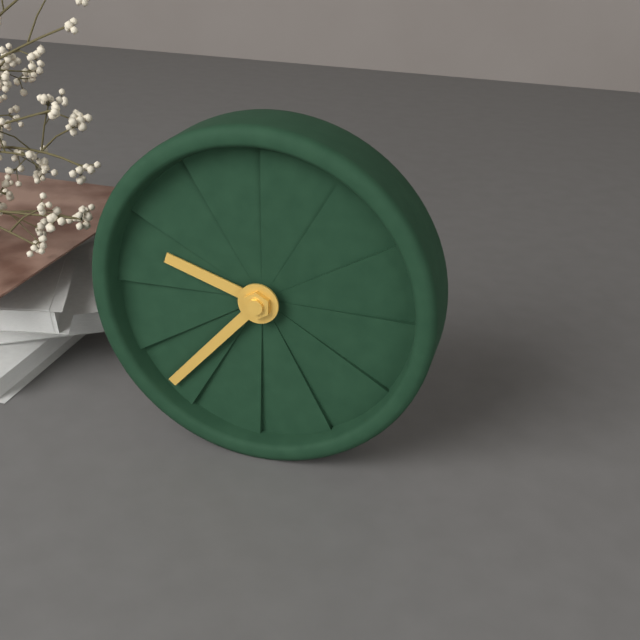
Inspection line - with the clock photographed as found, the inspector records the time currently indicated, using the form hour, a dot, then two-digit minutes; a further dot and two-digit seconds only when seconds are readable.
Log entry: 9.37
